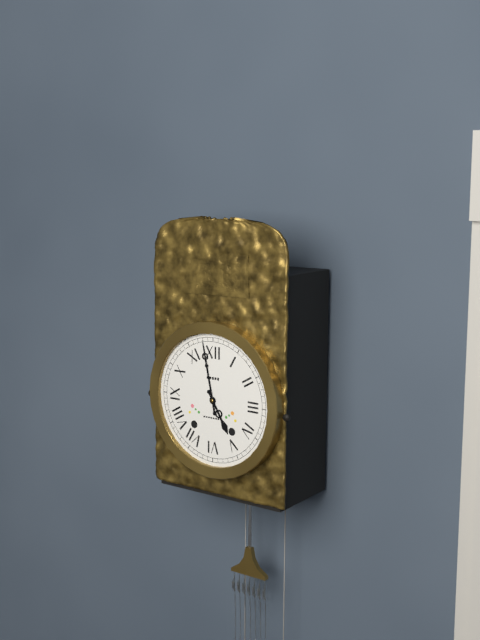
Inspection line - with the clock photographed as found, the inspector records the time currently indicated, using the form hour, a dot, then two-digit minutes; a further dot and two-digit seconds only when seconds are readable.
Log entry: 4.58
